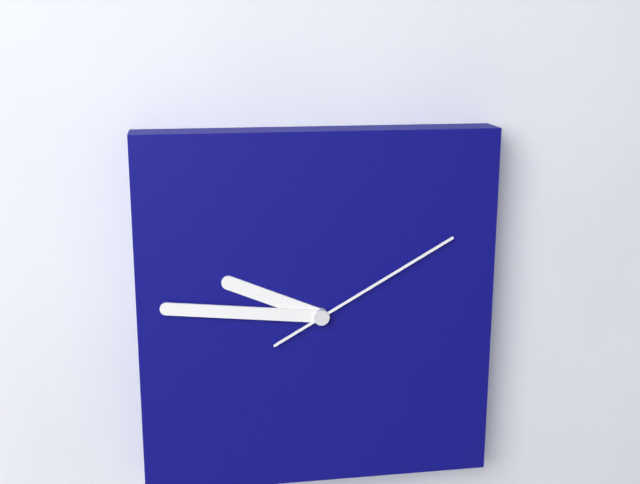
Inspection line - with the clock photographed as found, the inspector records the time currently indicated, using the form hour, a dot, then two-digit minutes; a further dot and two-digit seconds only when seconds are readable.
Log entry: 9.46.10
